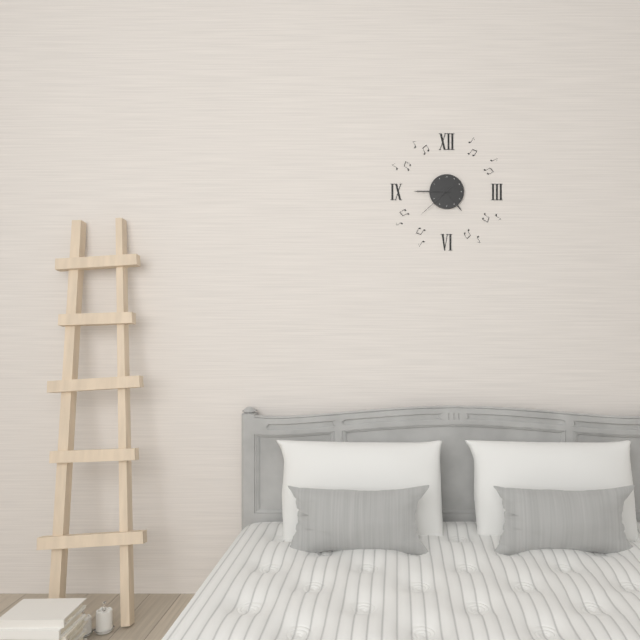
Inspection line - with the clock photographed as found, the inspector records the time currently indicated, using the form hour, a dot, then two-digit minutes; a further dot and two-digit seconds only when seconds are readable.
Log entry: 4.45
